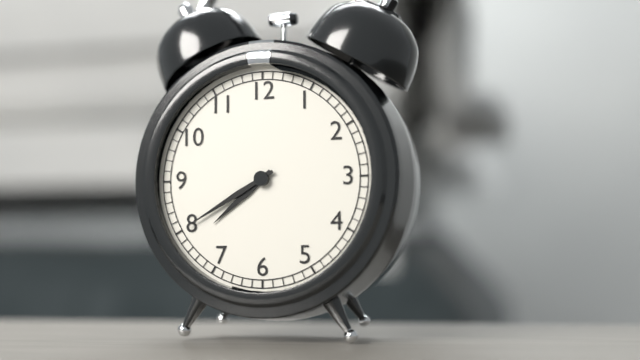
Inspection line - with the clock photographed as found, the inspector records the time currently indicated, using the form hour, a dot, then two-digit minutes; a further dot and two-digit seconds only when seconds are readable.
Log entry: 7.40
